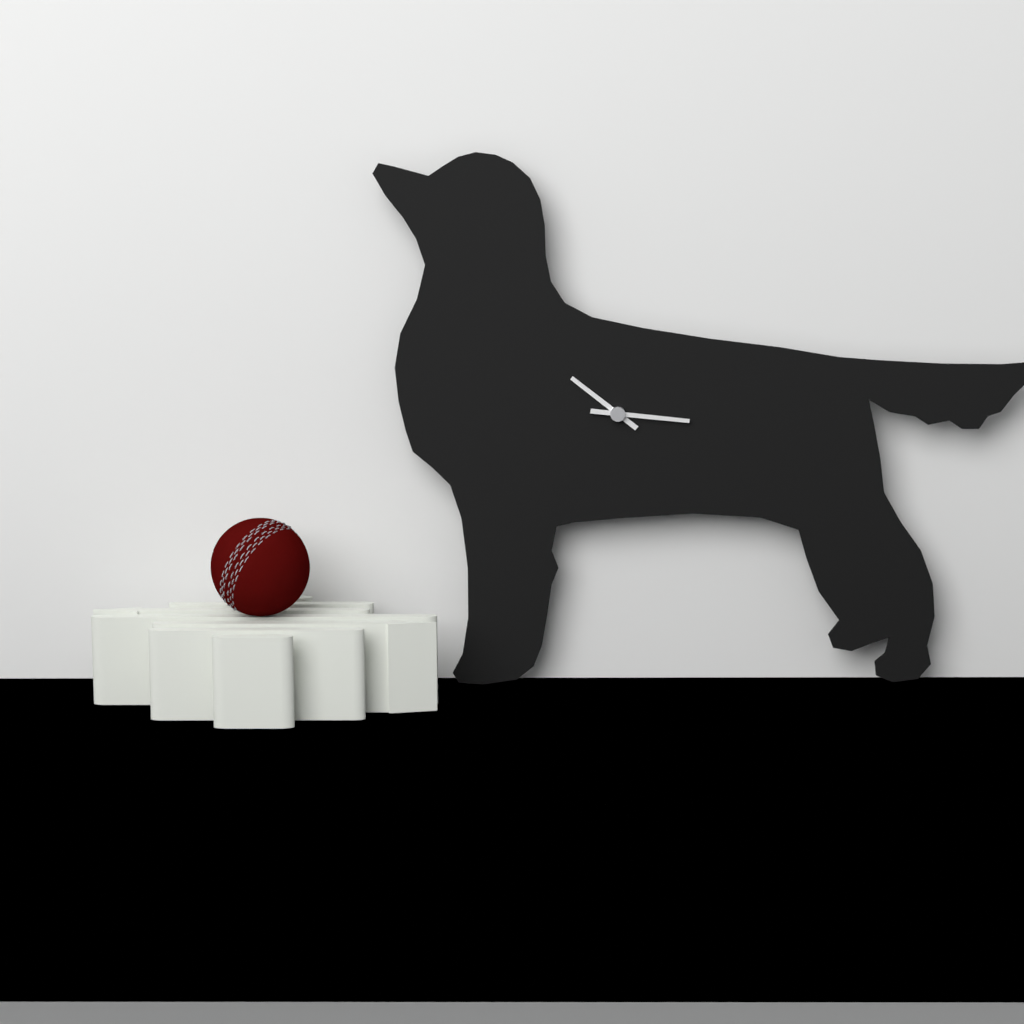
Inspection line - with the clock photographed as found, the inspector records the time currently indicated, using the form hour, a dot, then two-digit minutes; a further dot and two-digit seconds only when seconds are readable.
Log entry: 10.16
